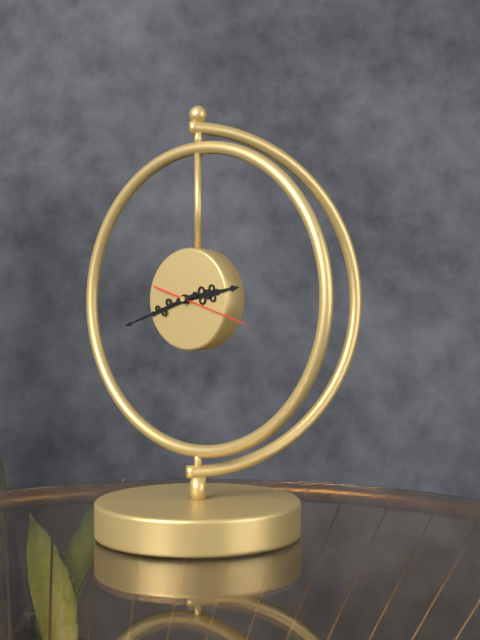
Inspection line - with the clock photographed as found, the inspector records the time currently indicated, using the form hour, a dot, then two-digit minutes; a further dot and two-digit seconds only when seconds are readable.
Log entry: 2.42.18
